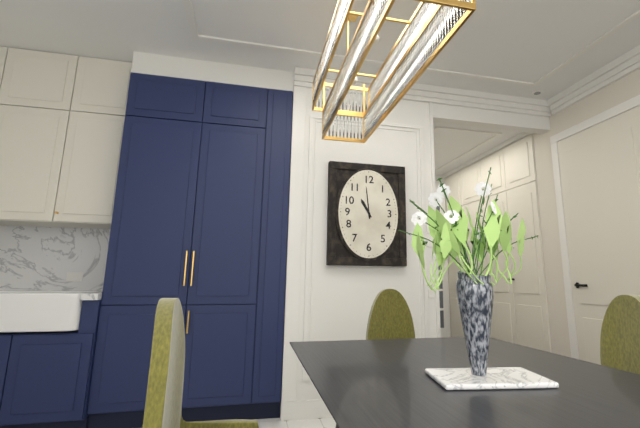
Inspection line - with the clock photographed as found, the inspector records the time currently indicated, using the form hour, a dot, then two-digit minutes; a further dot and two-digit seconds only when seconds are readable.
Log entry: 10.59
